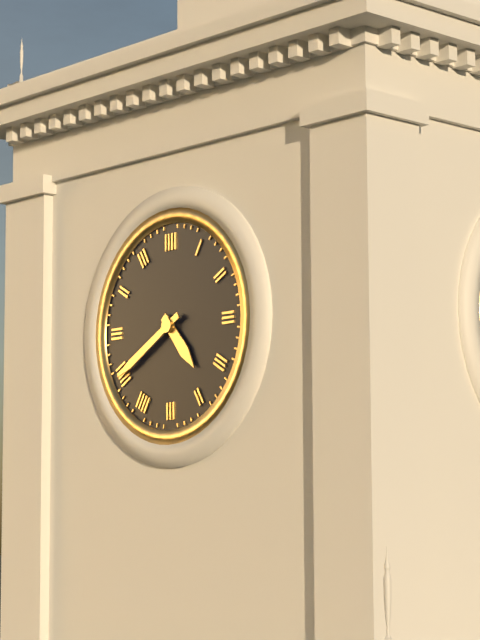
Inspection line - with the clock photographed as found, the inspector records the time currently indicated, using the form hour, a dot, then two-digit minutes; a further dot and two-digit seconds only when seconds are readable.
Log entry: 4.40
